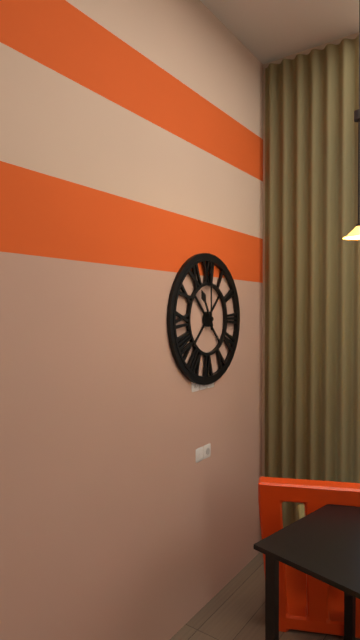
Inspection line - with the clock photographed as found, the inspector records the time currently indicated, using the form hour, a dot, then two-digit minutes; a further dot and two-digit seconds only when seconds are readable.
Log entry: 11.00
